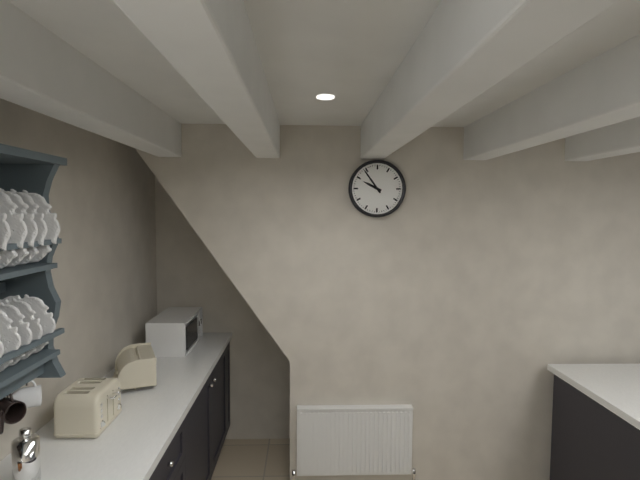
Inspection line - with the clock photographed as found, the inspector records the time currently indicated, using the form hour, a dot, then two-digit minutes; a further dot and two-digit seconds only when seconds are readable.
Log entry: 9.54
